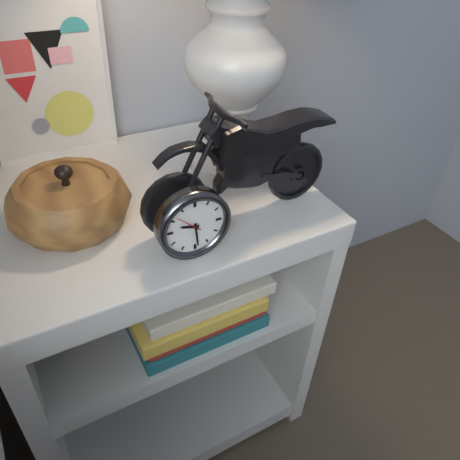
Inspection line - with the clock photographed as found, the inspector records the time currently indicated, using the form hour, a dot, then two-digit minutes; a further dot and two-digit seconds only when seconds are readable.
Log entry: 9.29
